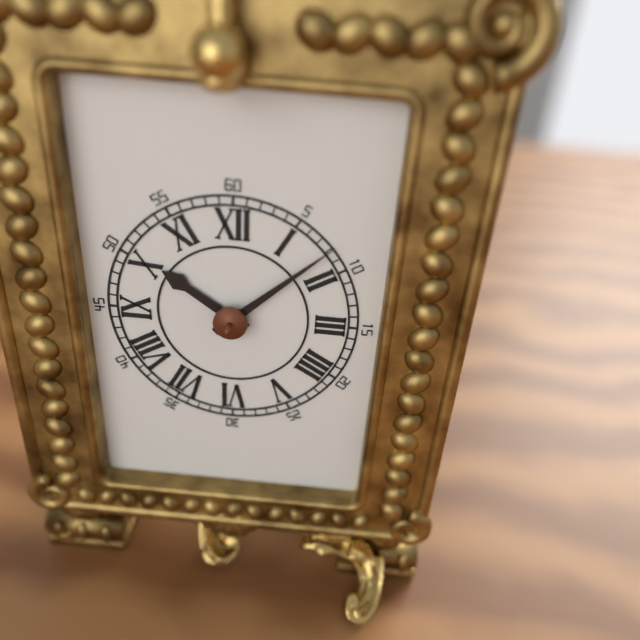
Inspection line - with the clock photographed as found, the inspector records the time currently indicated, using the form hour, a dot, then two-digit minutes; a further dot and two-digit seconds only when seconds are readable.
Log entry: 10.08
